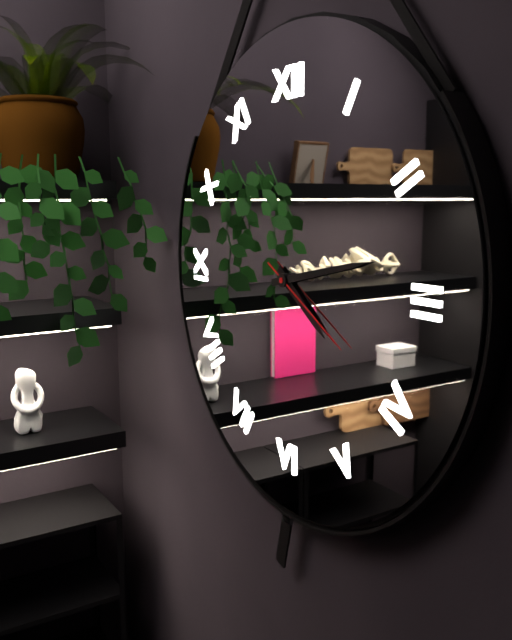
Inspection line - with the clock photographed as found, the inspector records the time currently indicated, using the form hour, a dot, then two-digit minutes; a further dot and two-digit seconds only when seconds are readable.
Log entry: 4.13.20
